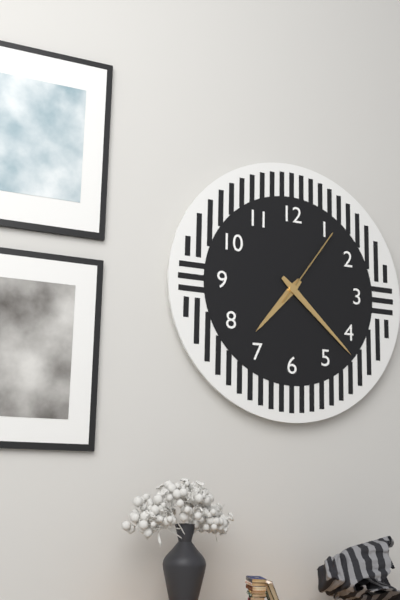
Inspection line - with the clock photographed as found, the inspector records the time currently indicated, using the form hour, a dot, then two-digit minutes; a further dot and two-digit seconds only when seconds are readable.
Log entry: 7.22.06
